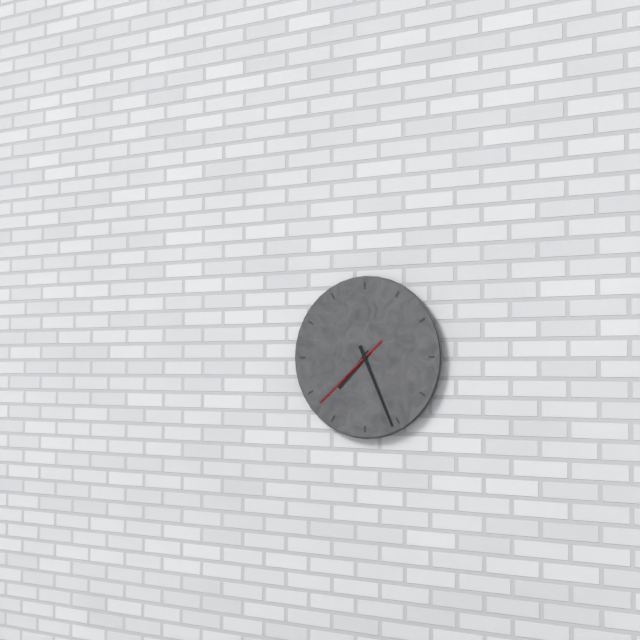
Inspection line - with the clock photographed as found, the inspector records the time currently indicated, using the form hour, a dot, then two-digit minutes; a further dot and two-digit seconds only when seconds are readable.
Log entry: 7.26.38
